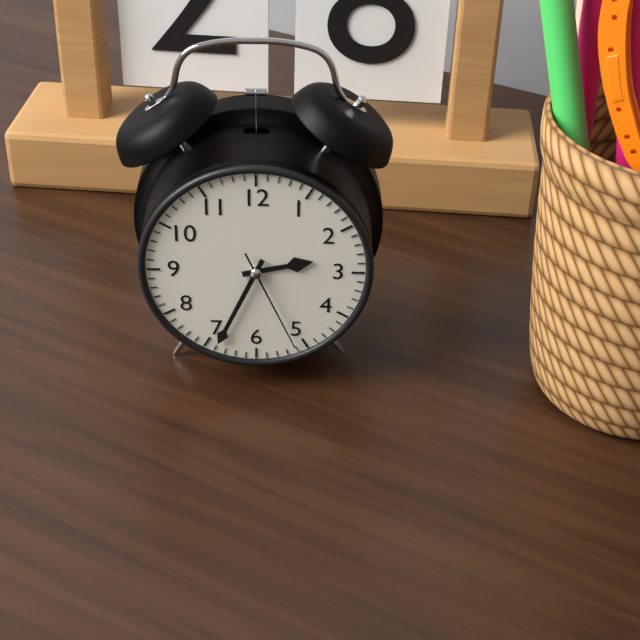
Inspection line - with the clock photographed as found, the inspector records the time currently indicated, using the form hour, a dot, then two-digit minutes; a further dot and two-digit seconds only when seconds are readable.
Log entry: 2.34.26
